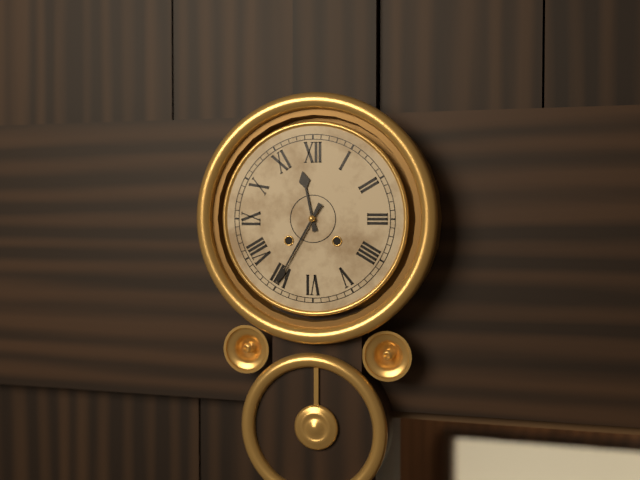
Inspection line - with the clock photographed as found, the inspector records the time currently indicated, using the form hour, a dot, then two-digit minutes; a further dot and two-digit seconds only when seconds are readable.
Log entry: 11.35
